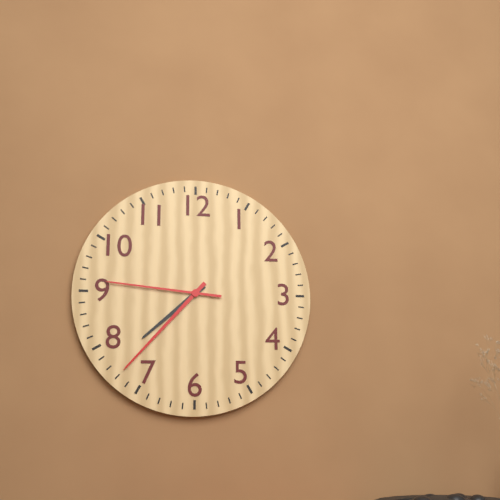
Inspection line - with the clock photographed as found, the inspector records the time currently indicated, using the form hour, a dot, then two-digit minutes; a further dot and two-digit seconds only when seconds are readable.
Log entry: 7.37.46
